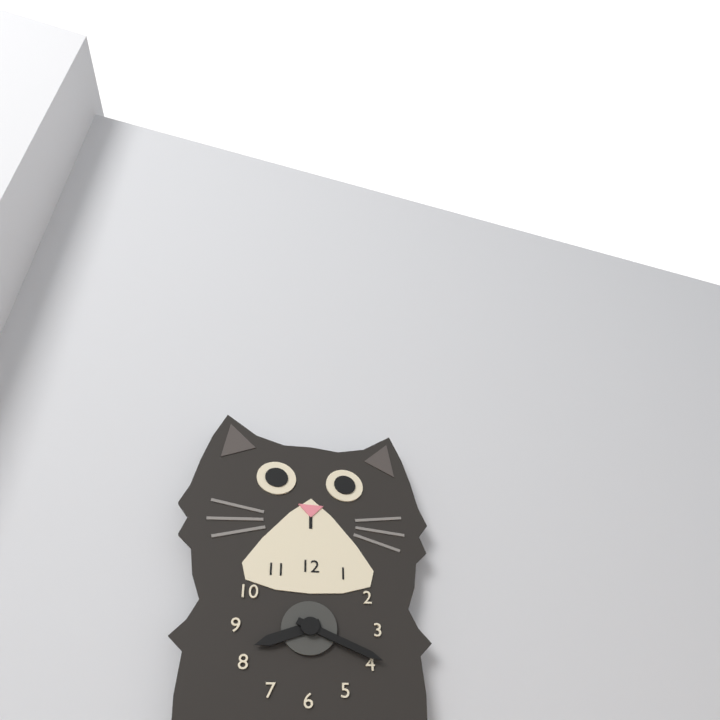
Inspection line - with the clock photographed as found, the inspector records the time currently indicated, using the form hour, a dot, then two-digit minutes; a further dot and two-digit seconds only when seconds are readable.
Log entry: 8.19
